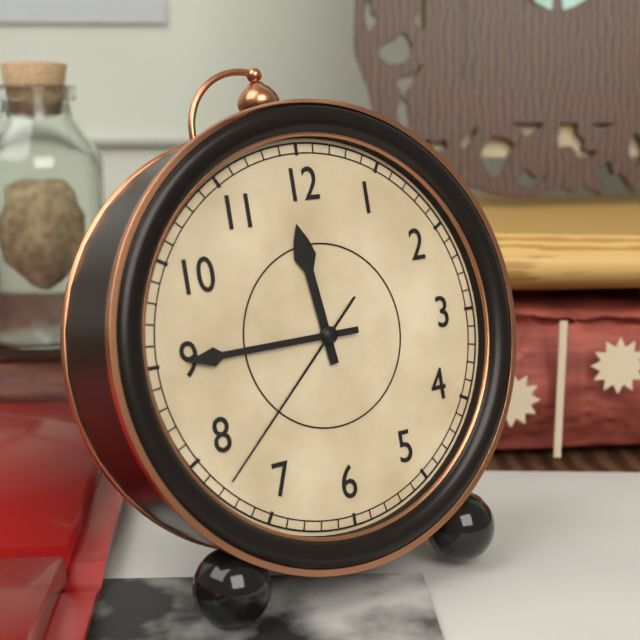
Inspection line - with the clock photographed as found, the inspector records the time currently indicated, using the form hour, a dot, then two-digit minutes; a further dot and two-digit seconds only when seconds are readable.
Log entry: 11.45.38
